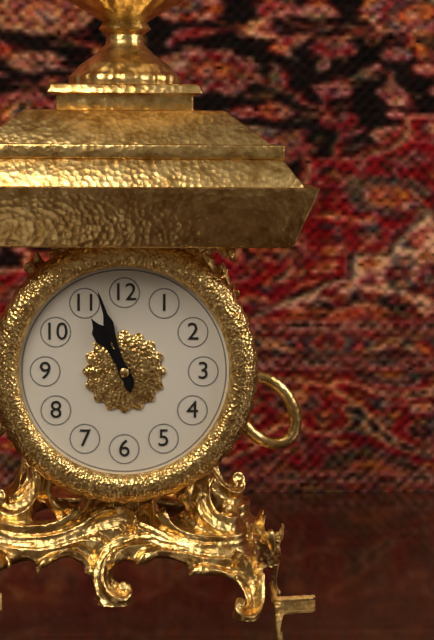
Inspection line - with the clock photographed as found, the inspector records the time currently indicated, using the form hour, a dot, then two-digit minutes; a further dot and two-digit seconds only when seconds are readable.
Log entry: 10.57
